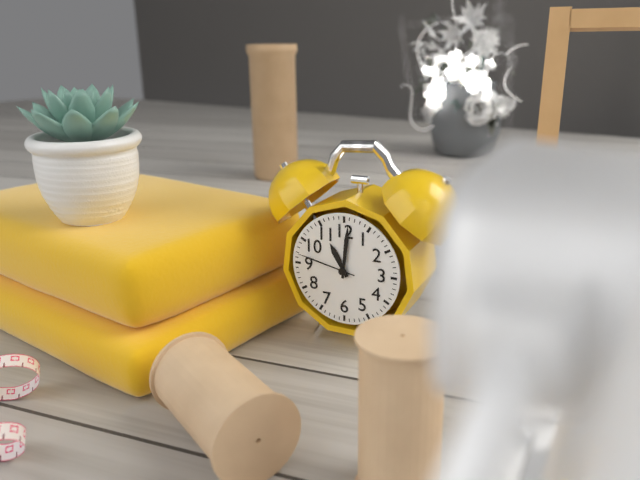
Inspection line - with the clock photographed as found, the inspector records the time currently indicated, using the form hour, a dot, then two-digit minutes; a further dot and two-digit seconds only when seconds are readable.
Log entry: 11.01.47
